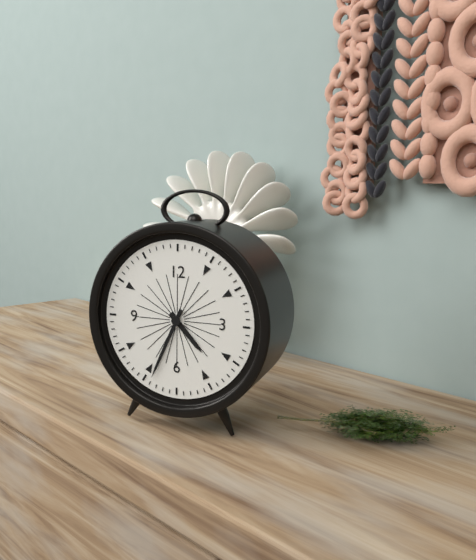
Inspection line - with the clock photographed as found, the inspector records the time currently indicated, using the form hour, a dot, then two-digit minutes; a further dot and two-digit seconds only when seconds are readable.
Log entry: 4.34
